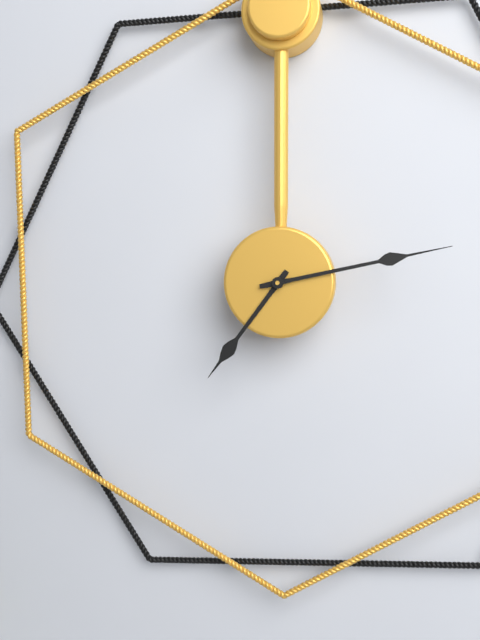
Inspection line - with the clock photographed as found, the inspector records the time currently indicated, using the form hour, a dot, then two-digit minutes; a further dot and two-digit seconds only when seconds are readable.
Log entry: 7.13
